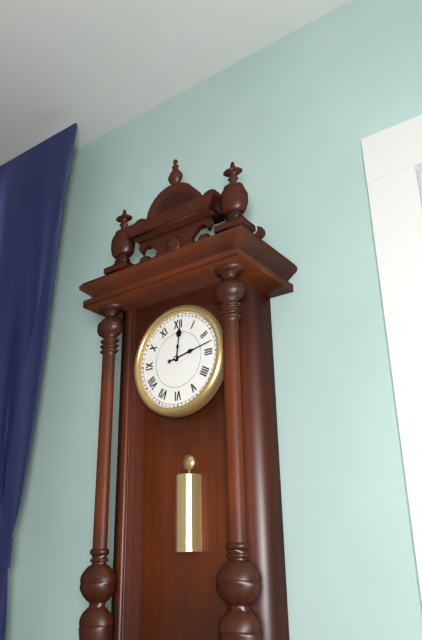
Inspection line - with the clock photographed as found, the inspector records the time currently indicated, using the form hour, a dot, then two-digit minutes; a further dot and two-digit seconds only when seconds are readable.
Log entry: 12.13
